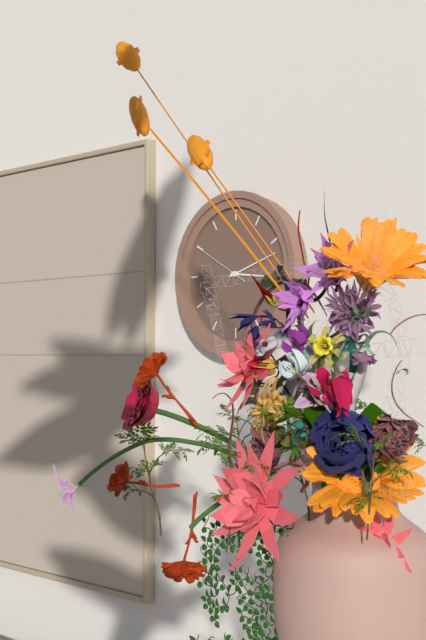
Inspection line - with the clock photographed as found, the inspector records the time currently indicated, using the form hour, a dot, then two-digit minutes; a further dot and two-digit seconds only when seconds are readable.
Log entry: 3.12.50
